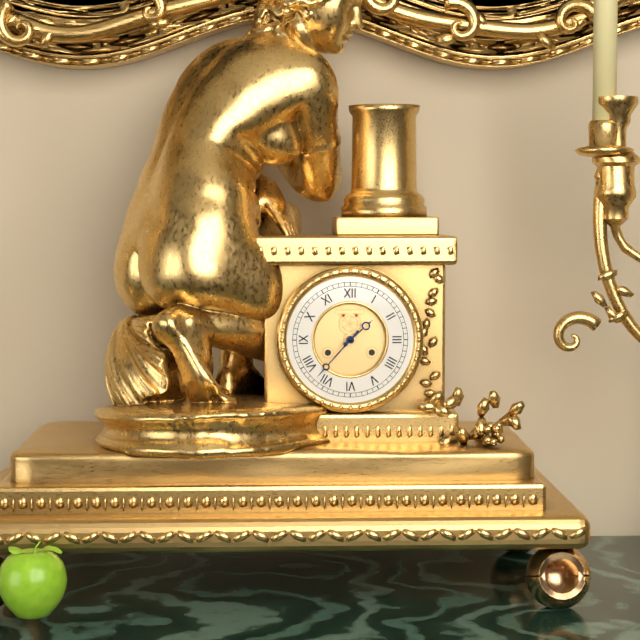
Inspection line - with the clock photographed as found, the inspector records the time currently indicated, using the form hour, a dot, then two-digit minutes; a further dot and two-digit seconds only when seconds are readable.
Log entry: 1.37
